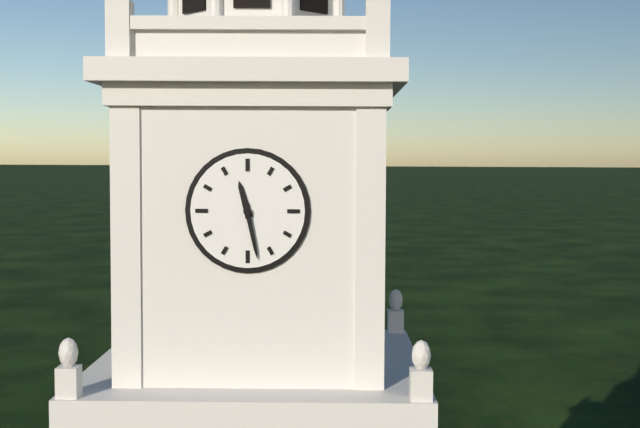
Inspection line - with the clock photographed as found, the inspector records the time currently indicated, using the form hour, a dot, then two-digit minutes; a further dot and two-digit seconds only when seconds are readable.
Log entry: 11.28
